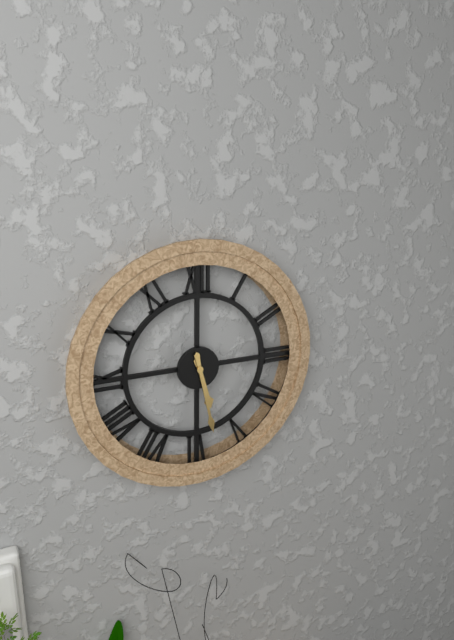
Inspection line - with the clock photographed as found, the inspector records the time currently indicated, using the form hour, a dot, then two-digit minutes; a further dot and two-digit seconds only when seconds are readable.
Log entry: 5.28
